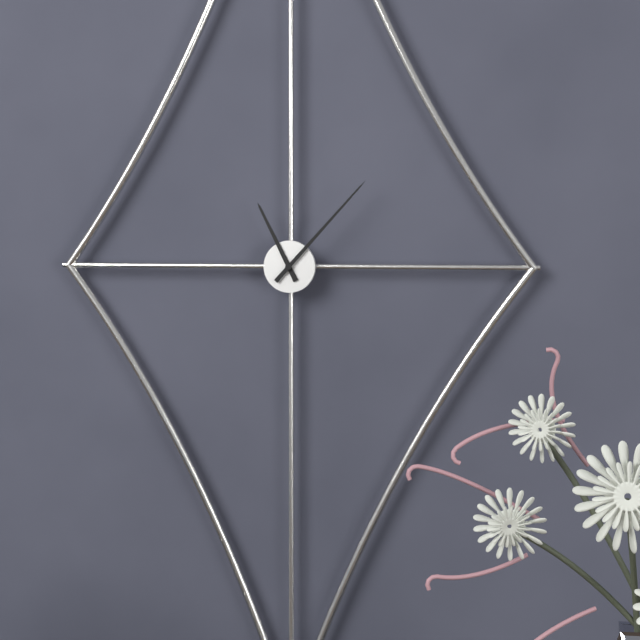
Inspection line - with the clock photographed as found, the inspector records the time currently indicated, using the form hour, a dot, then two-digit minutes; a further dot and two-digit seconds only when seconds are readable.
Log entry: 11.07
